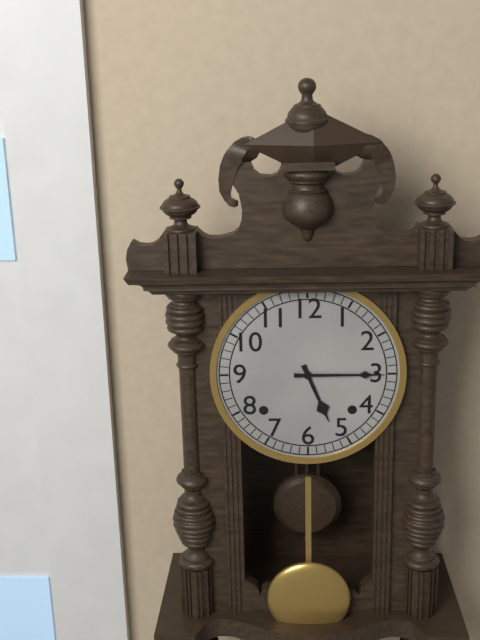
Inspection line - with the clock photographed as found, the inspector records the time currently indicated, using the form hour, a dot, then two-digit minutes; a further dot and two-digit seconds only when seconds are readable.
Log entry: 5.15
